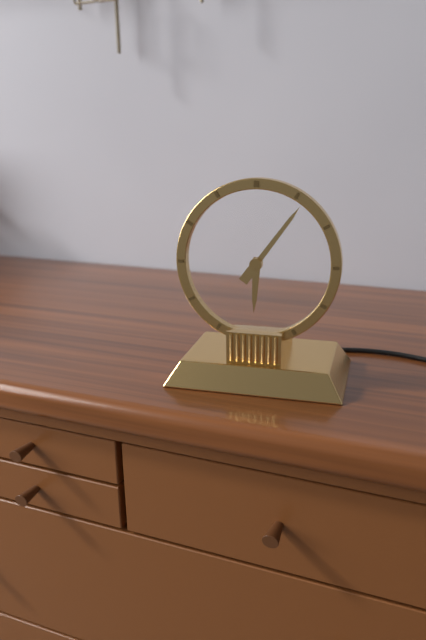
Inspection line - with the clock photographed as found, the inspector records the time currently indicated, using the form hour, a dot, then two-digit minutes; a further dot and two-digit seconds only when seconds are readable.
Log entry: 6.06
